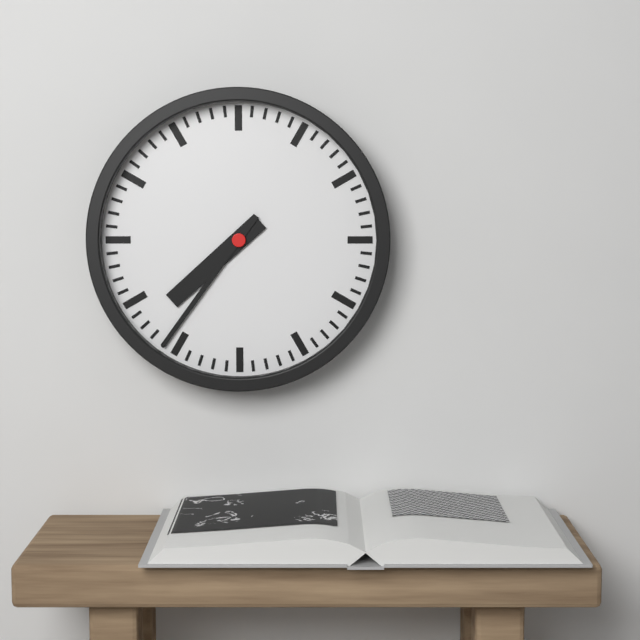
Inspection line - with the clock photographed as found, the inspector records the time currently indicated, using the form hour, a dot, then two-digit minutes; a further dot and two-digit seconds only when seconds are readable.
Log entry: 7.36
